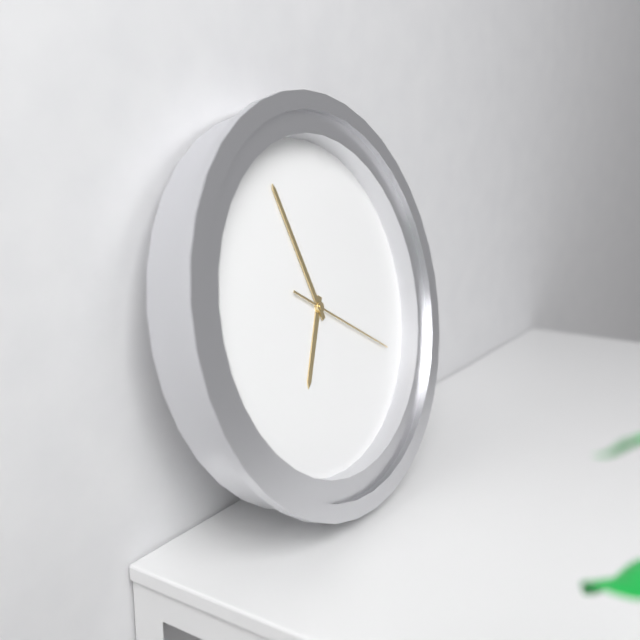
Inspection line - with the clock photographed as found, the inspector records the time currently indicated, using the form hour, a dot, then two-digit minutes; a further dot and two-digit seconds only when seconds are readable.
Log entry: 6.57.20
